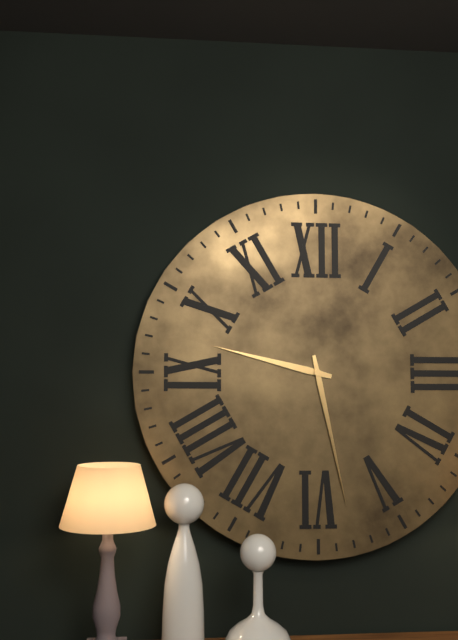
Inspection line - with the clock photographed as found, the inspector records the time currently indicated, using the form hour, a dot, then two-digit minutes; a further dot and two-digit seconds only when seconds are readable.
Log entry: 9.28
